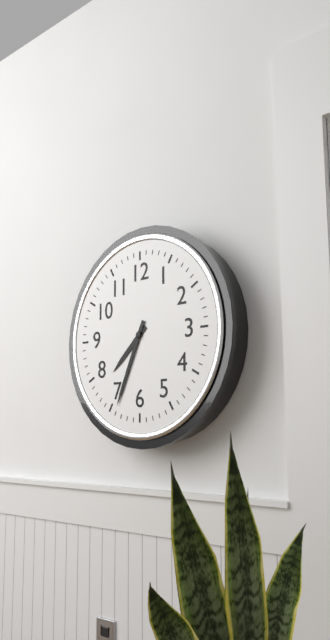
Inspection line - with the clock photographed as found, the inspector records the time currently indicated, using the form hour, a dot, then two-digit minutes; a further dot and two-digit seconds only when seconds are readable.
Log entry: 7.34
